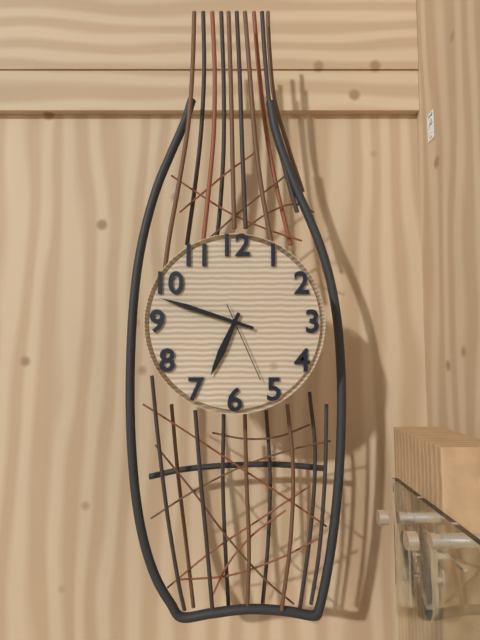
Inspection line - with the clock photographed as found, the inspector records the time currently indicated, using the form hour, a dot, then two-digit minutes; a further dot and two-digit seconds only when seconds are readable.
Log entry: 6.48.26
